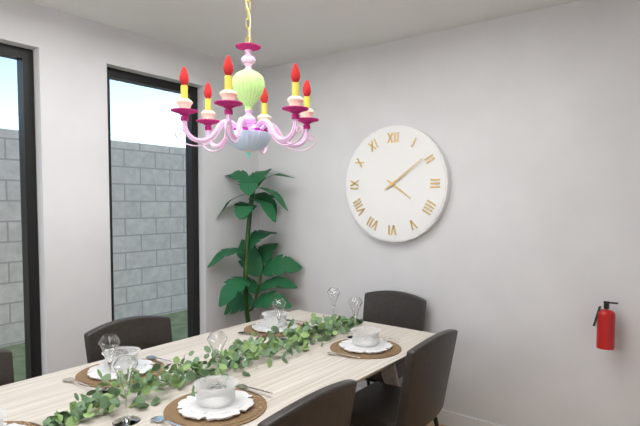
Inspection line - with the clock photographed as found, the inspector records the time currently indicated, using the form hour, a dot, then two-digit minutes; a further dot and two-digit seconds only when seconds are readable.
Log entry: 4.09
